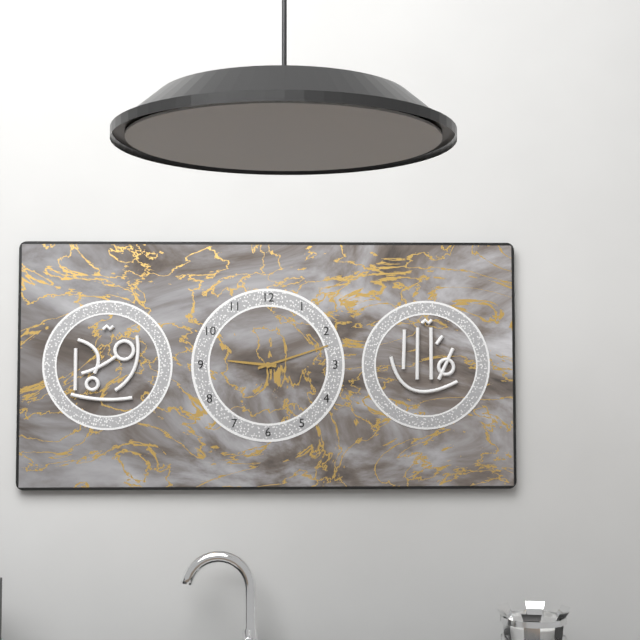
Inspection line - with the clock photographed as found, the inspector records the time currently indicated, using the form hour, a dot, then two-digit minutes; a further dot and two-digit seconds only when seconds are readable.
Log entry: 9.12
